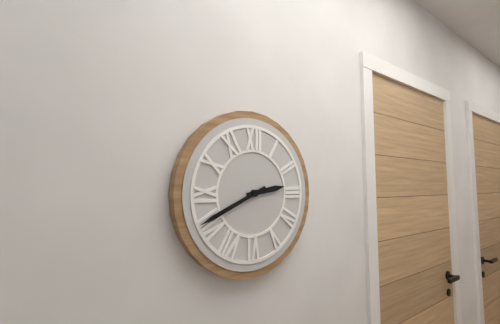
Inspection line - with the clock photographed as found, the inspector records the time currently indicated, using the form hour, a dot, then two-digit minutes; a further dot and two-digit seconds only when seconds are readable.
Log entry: 2.41
